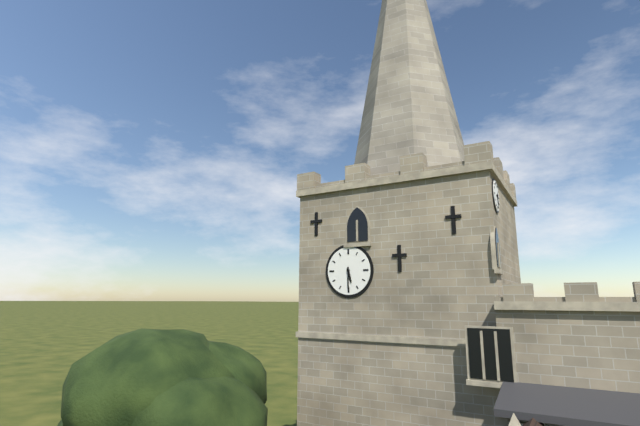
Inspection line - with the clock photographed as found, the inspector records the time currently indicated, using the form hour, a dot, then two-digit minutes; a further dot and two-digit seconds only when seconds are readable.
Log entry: 5.30
